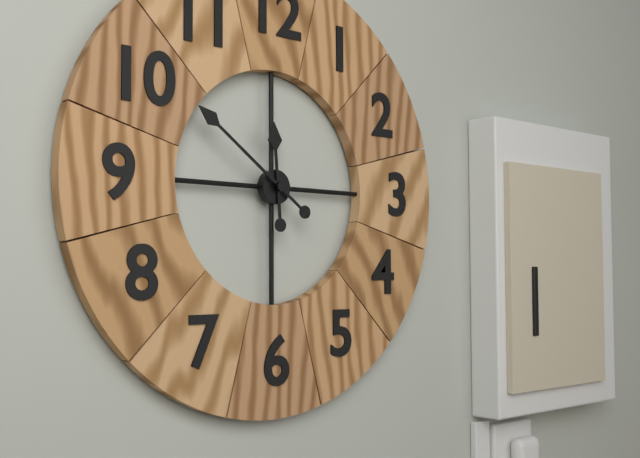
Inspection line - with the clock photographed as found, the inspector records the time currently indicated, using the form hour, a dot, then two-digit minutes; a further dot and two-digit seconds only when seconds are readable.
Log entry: 11.51
